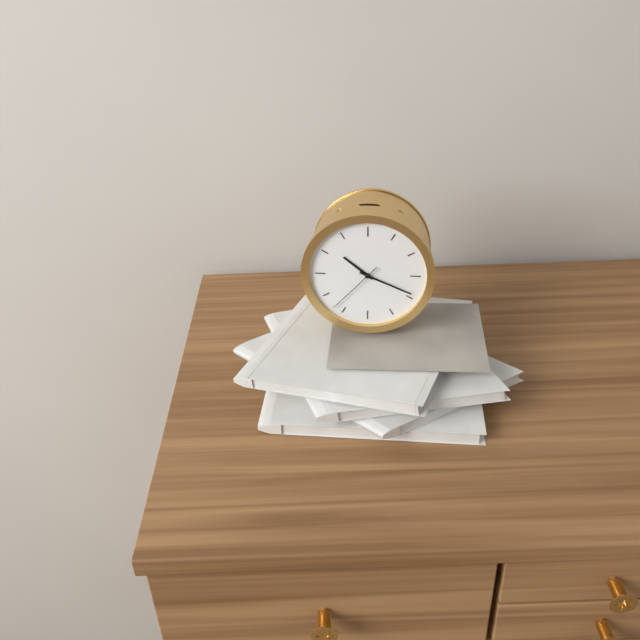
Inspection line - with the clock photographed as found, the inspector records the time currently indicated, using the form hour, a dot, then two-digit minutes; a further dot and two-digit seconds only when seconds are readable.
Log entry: 10.19.37
